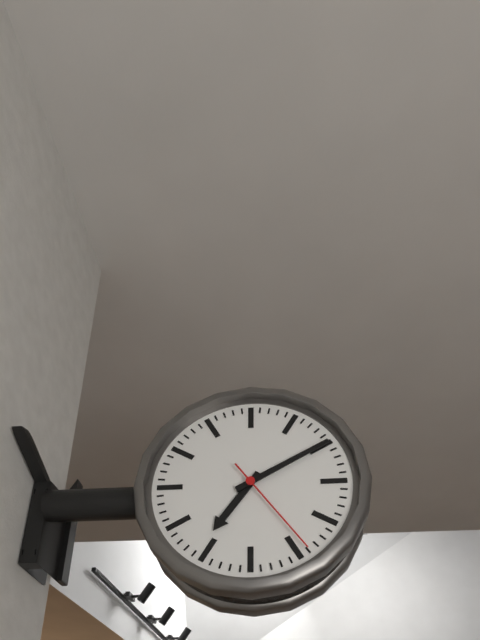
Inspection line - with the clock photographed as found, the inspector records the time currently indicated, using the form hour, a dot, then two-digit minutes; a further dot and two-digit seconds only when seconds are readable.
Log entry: 7.10.24
